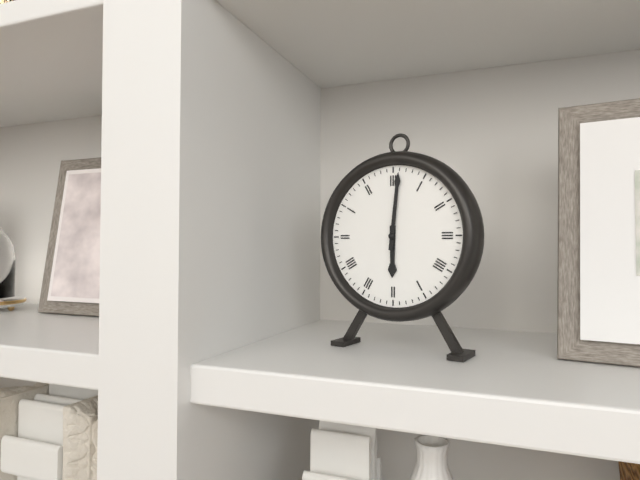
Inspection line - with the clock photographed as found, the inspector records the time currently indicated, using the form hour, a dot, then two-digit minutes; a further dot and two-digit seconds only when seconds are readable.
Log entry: 6.01
